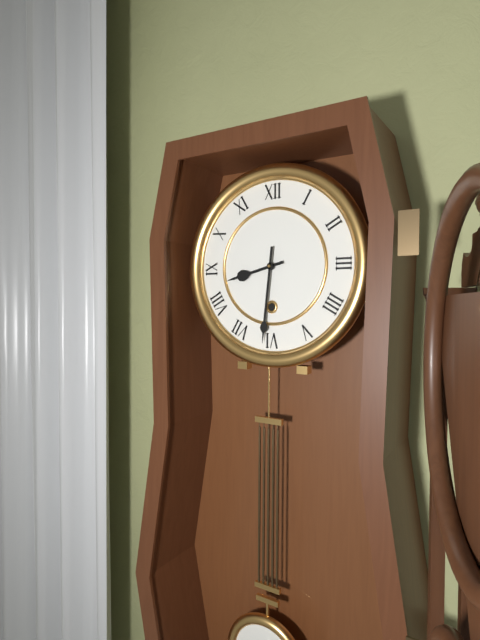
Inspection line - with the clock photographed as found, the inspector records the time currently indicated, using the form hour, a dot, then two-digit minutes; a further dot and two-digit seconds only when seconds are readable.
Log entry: 8.31
